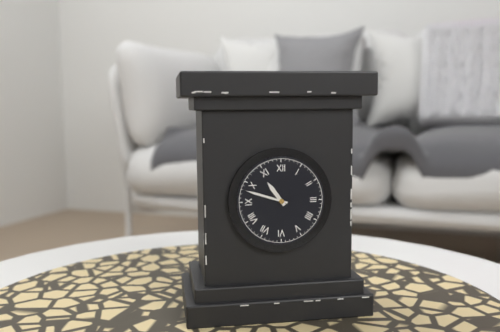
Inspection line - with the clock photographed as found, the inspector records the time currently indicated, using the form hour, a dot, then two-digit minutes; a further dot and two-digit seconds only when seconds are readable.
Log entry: 10.48
